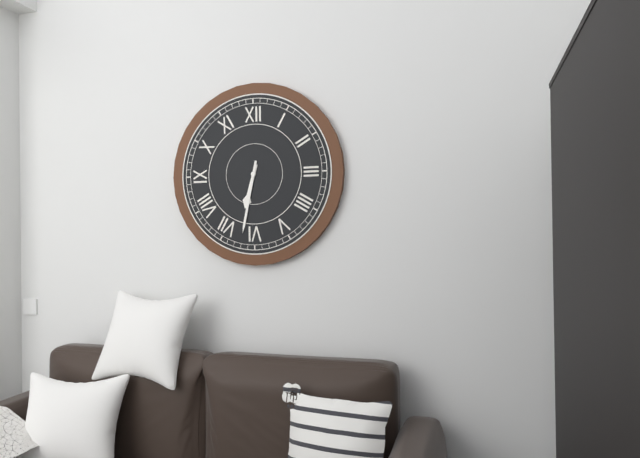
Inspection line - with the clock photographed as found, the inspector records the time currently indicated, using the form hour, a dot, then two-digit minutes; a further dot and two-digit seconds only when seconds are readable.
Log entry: 6.32
